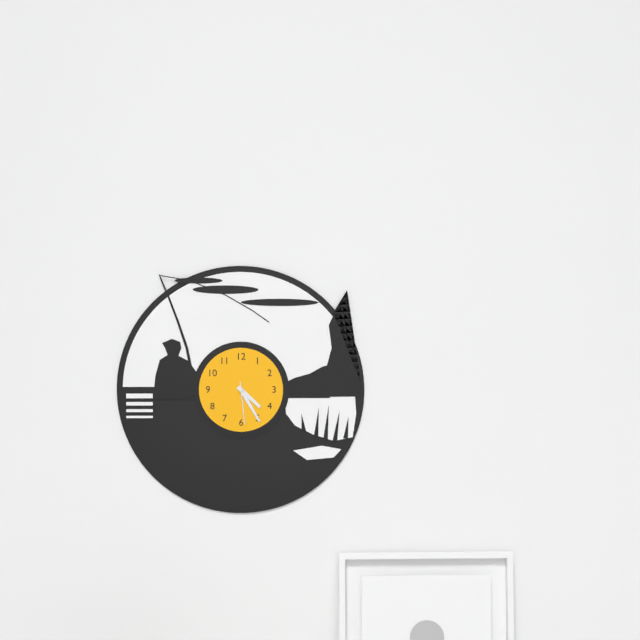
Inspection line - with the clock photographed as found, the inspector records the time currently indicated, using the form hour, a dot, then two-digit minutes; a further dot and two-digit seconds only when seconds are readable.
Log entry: 4.25
